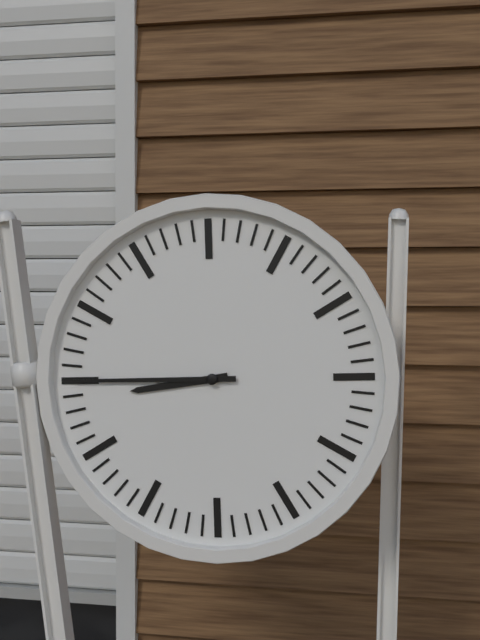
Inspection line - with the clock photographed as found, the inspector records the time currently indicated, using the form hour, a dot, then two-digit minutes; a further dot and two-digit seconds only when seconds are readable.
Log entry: 8.45
